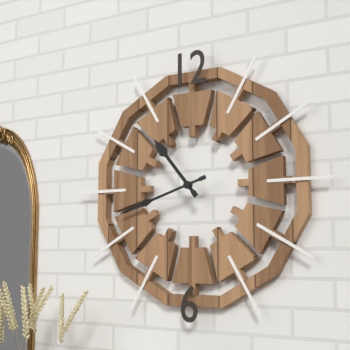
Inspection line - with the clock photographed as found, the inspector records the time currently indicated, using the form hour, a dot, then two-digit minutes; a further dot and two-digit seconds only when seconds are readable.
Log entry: 10.42
